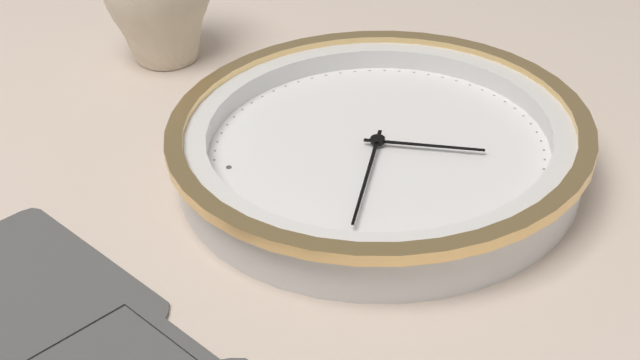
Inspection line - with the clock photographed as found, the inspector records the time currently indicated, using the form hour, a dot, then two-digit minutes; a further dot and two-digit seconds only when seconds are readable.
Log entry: 6.49
